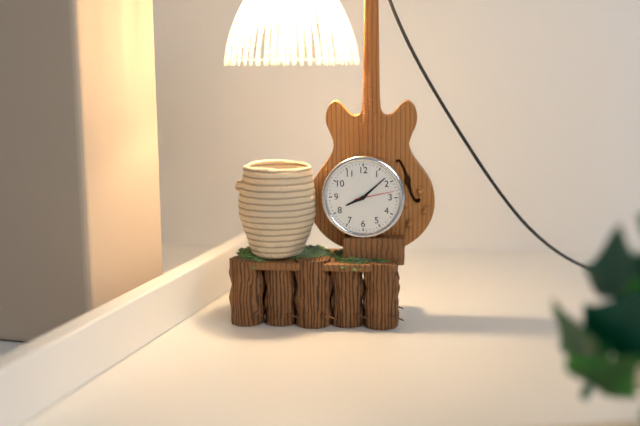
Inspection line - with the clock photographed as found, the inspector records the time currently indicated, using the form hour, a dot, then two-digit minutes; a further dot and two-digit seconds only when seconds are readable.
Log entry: 8.08
